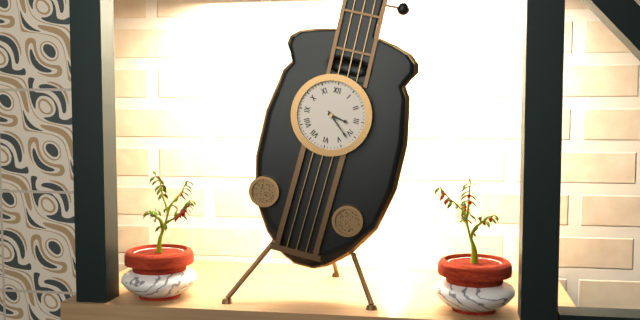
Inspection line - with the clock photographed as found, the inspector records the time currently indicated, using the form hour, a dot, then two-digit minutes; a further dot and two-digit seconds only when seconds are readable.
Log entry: 3.22
